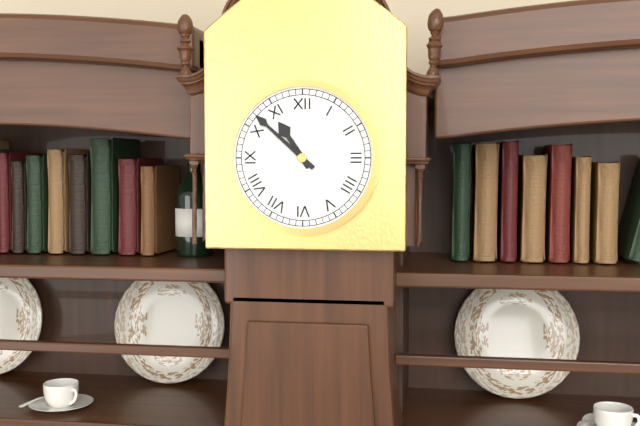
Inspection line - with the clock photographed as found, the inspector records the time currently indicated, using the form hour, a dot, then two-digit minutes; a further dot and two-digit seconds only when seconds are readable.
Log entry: 10.52
